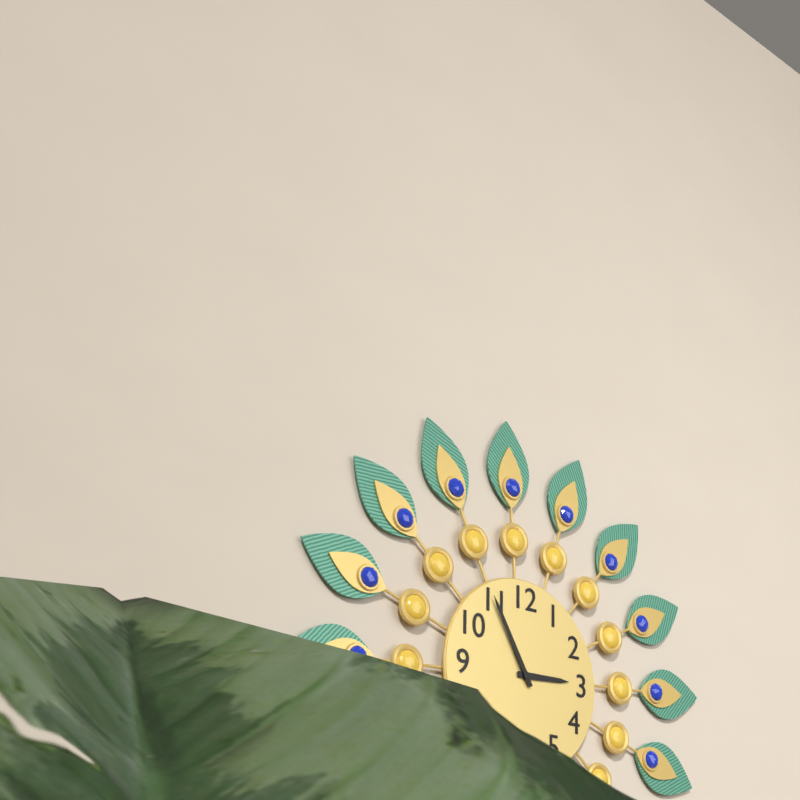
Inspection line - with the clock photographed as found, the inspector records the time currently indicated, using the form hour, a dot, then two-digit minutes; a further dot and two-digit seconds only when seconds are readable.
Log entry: 2.55
